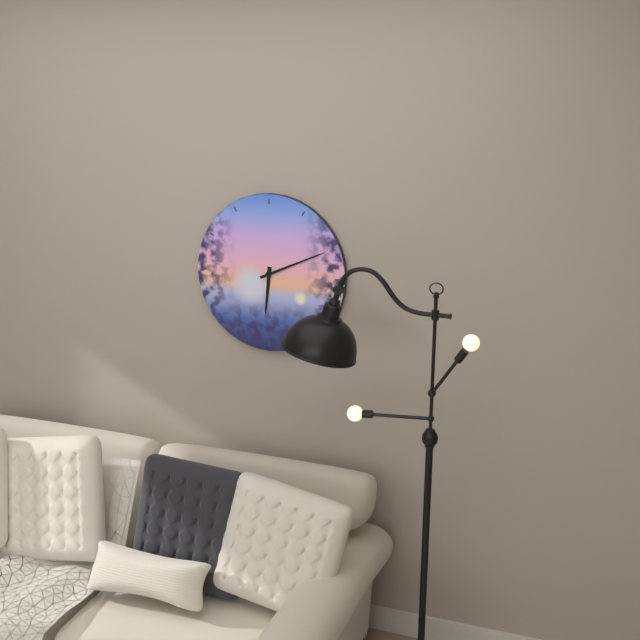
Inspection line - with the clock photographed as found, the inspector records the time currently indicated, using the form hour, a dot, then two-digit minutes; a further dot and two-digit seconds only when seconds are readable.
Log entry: 6.11
